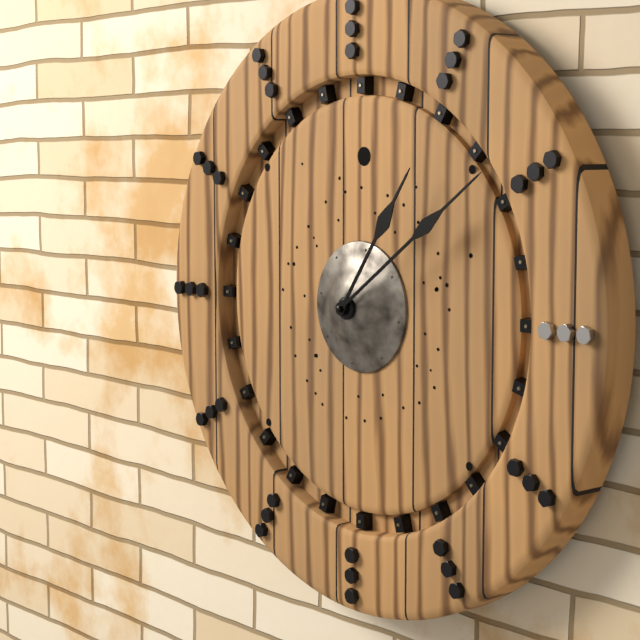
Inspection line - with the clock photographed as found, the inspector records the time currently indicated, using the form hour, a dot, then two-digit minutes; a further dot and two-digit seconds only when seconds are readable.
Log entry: 1.09
